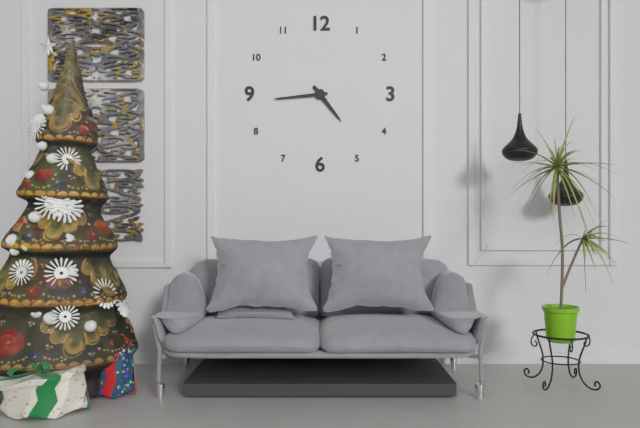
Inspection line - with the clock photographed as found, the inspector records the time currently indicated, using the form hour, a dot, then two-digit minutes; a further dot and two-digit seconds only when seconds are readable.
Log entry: 4.44
